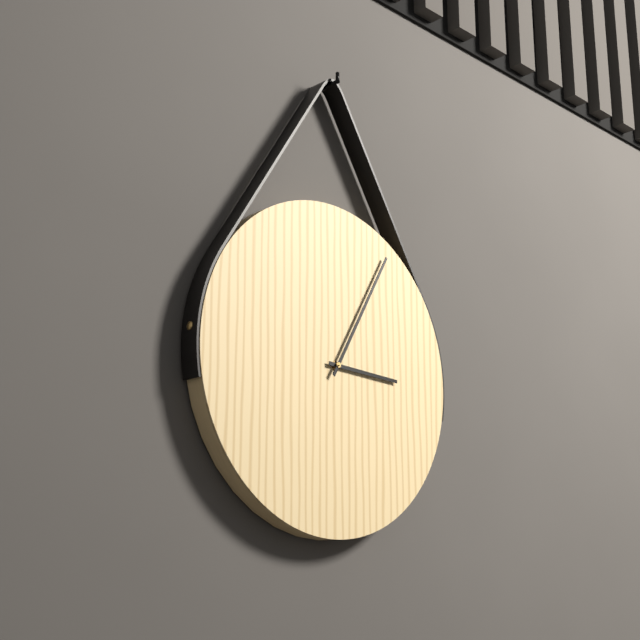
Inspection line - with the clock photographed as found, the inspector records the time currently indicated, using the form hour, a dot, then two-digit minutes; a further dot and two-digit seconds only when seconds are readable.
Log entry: 3.05
